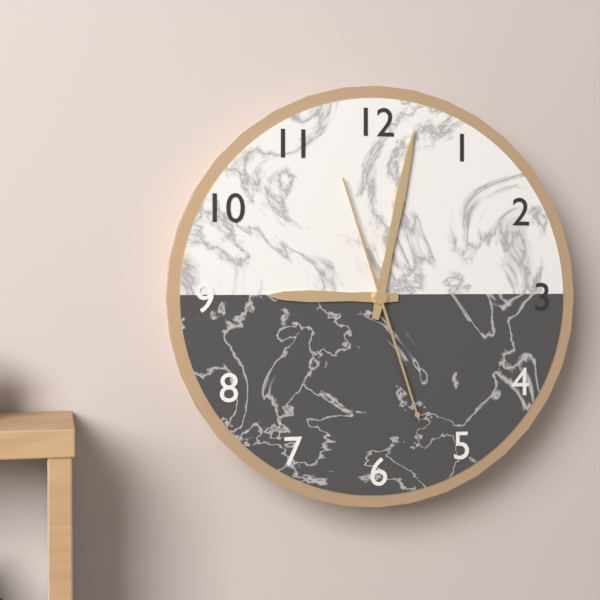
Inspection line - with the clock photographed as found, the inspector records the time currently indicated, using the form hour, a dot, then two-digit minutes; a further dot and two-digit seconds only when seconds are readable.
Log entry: 9.02.27
